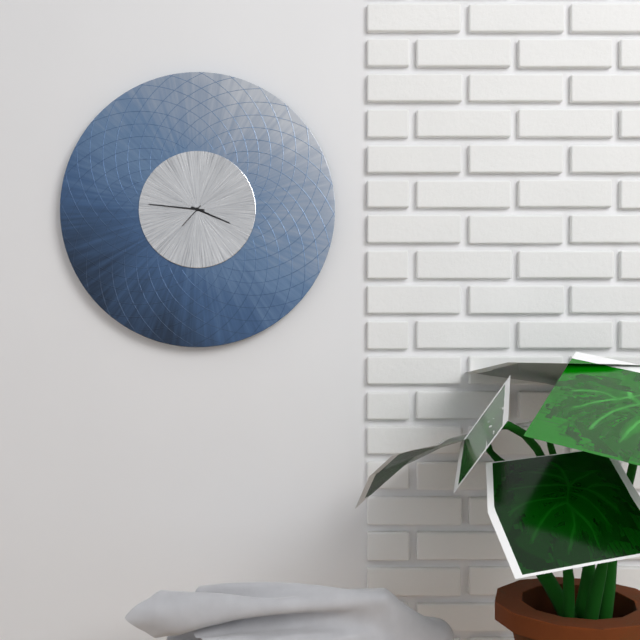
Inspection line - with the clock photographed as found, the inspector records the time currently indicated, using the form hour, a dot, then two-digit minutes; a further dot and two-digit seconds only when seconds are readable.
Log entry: 3.46
